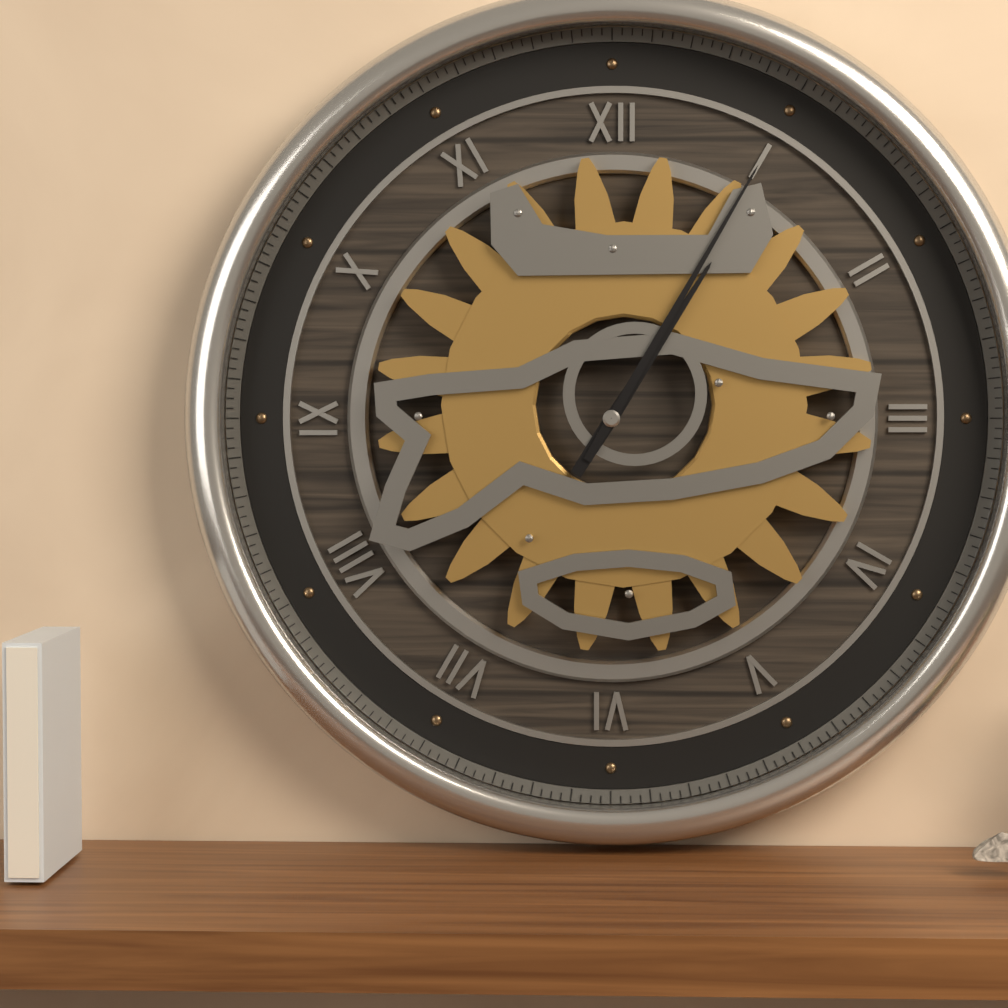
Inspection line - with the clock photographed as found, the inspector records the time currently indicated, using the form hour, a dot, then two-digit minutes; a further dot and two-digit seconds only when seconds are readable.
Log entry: 1.05
